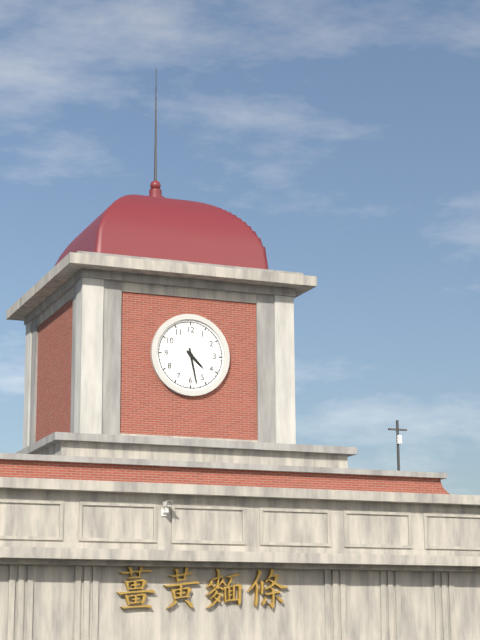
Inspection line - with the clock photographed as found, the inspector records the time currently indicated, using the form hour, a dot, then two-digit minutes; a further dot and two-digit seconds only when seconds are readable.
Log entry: 4.28
